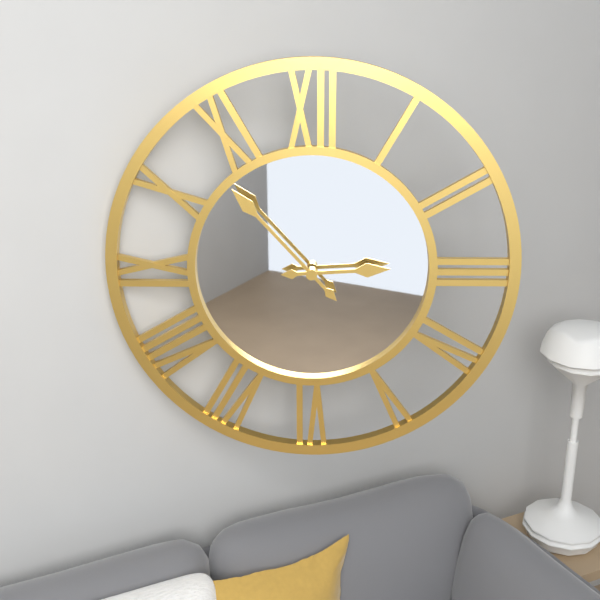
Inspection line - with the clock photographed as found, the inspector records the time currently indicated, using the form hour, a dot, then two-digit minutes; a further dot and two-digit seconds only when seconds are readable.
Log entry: 2.53
